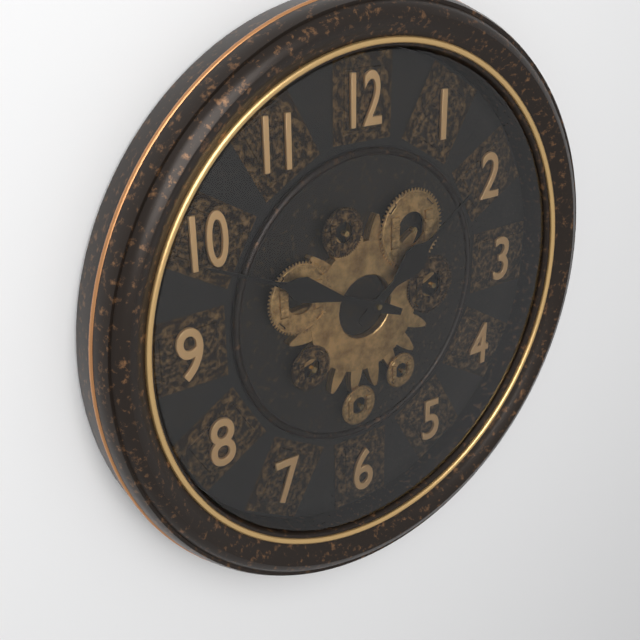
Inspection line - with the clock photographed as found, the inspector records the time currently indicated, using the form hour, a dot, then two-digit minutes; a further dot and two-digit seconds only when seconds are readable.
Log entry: 1.49
